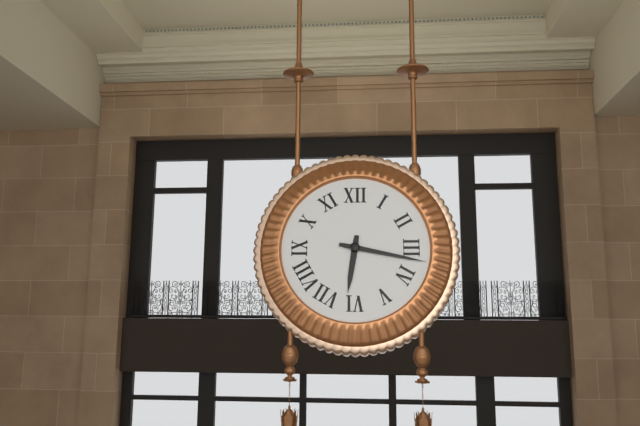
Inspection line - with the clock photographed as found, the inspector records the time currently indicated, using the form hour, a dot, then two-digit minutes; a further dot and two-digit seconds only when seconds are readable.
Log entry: 6.17
